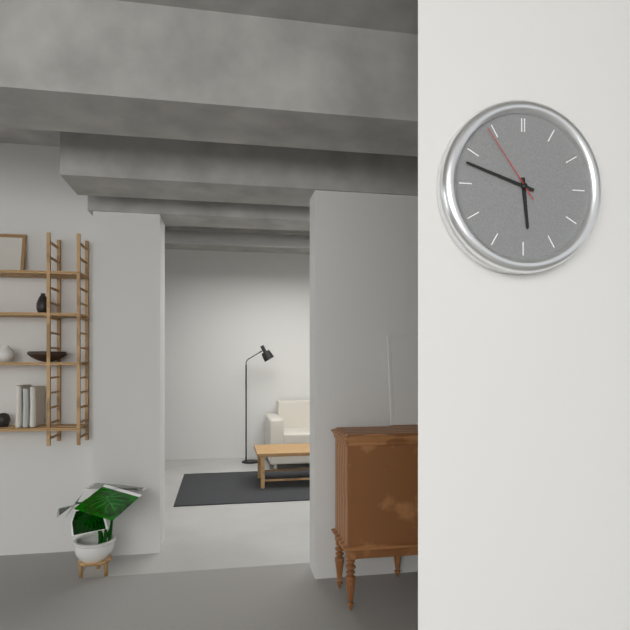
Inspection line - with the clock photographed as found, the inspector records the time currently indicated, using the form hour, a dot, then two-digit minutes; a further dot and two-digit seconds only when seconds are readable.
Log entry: 5.48.54
